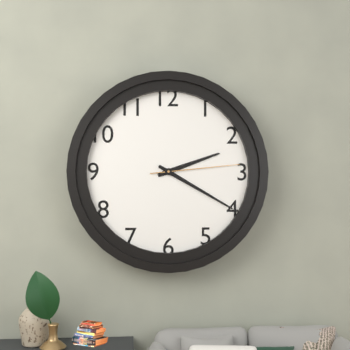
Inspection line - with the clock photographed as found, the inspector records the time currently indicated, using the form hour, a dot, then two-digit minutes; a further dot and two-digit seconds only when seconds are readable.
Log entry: 2.20.14
